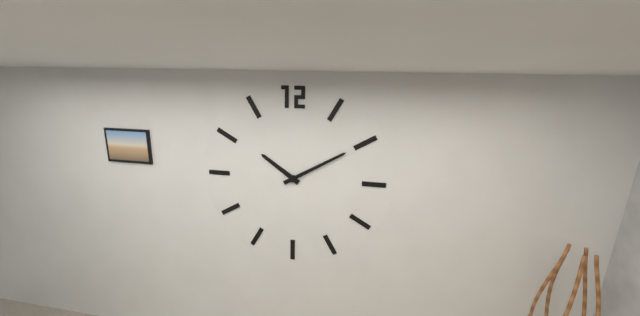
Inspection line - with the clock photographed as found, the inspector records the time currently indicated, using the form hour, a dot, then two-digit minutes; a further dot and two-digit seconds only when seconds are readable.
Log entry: 10.10
